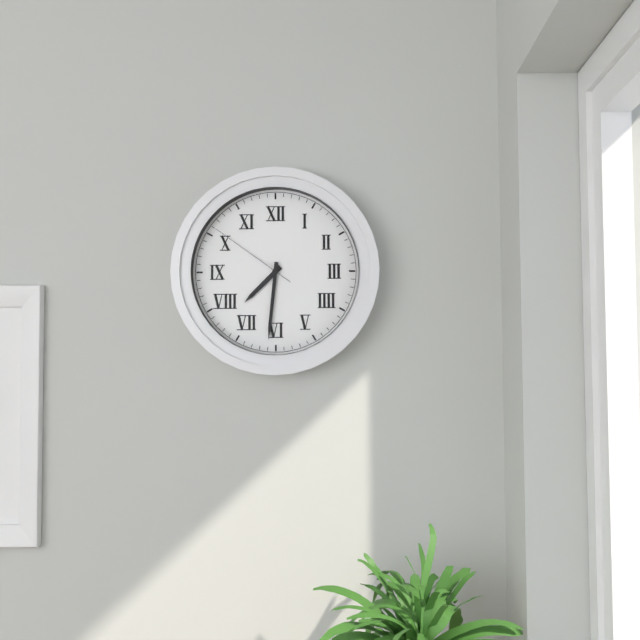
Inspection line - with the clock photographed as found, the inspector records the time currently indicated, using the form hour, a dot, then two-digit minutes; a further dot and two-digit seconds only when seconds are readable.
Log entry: 7.31.51
